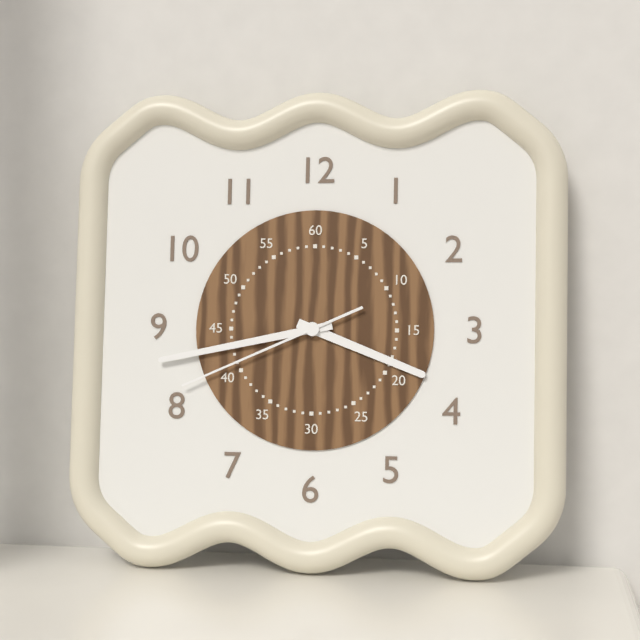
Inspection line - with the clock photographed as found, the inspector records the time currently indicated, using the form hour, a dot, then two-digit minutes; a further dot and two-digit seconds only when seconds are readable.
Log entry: 3.43.41
